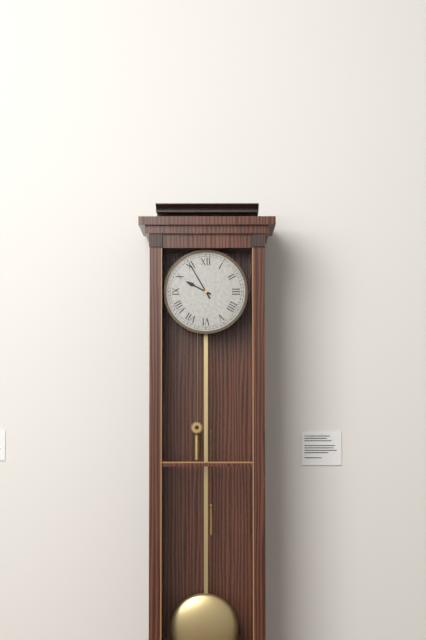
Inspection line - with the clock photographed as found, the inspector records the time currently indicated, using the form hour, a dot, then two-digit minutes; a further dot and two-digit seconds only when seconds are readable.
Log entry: 9.55
